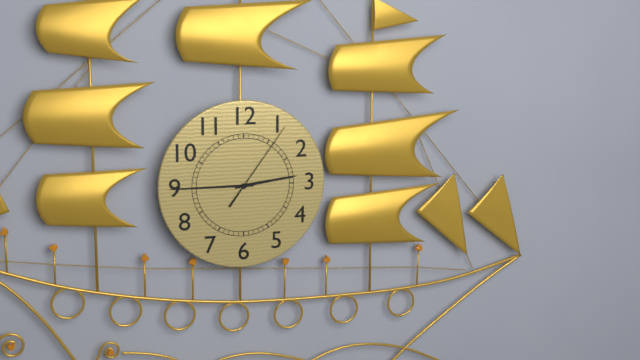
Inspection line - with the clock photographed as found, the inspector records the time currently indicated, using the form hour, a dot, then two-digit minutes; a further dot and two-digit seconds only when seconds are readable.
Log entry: 2.45.06
